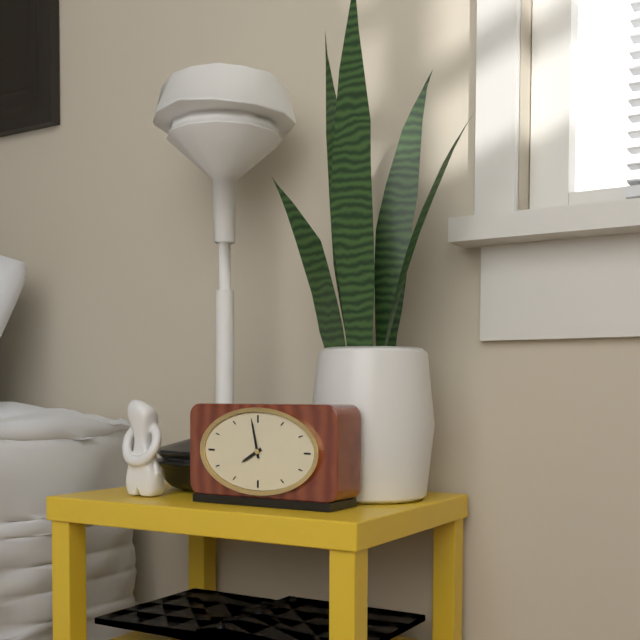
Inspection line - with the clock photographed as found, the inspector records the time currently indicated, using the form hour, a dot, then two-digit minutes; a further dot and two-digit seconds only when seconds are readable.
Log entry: 7.58
